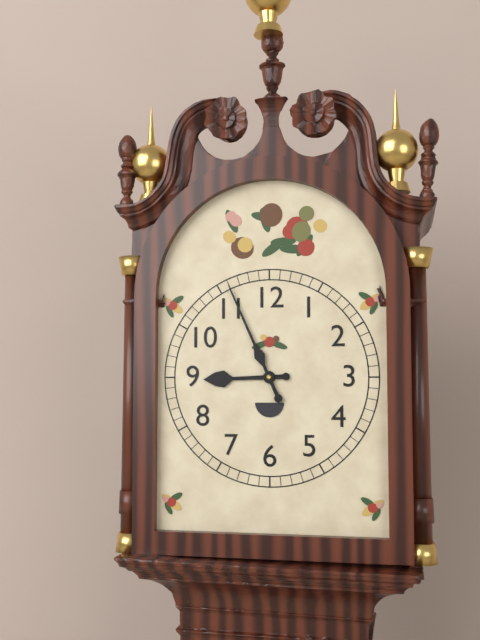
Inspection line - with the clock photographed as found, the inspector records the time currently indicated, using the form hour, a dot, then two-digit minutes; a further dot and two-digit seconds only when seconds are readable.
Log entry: 8.56
